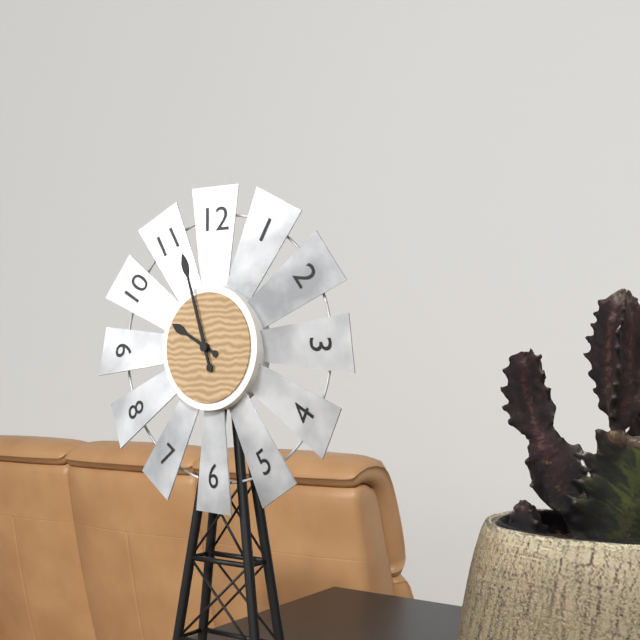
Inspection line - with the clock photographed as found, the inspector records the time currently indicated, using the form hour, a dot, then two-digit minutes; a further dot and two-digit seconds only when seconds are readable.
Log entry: 9.57
